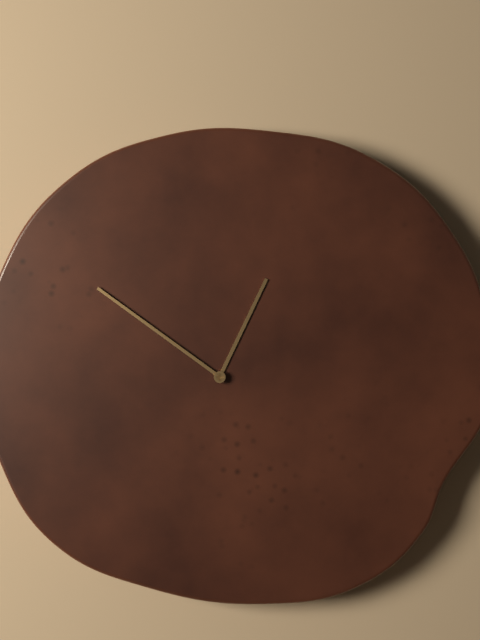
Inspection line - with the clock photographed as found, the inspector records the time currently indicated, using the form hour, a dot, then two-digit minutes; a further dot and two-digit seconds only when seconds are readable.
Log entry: 12.51
